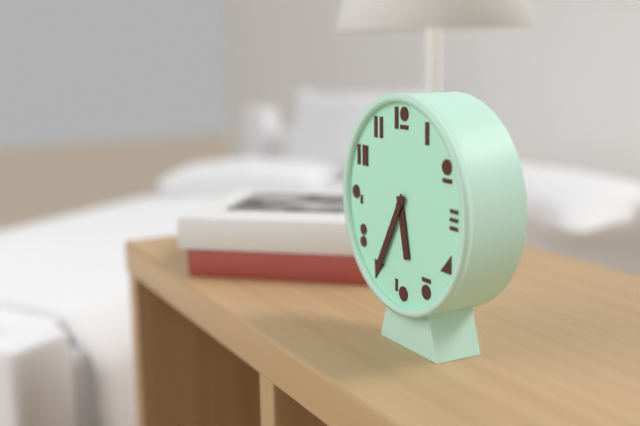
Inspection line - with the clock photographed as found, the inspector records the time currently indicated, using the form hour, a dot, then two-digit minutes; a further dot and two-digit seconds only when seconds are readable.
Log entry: 5.35
